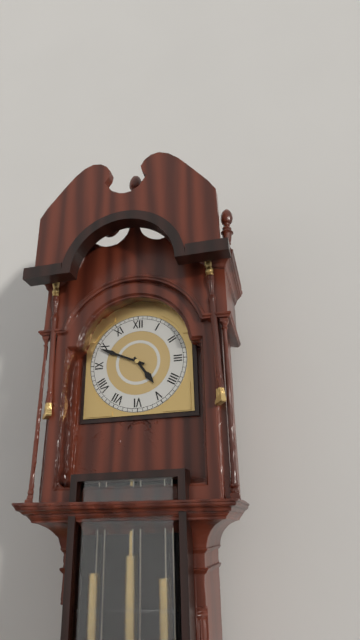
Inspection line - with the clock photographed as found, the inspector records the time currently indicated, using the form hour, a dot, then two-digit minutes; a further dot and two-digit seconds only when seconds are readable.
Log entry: 4.49
